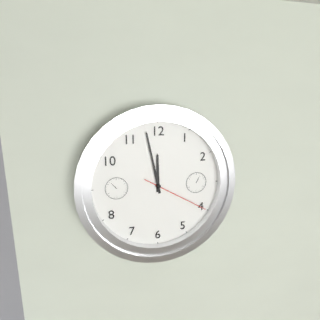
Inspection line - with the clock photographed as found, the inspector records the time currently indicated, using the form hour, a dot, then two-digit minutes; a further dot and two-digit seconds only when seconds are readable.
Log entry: 11.58.20
